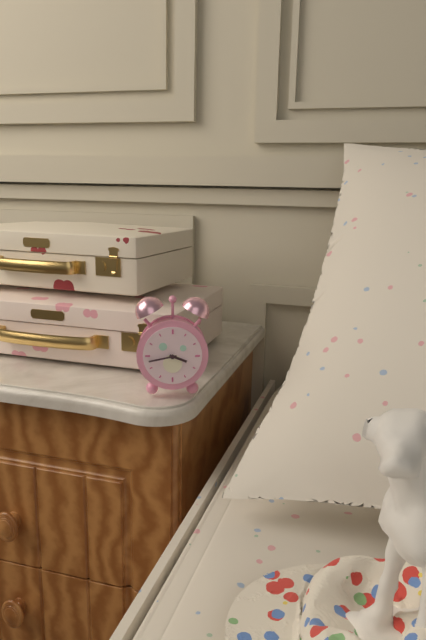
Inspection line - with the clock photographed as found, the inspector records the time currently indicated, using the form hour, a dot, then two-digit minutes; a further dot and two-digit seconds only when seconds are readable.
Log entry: 3.43
